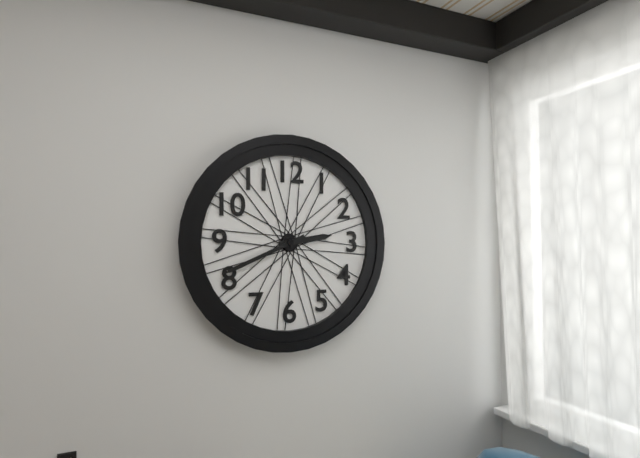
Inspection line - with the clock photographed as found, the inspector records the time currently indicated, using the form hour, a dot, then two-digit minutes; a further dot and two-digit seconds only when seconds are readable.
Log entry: 2.41
